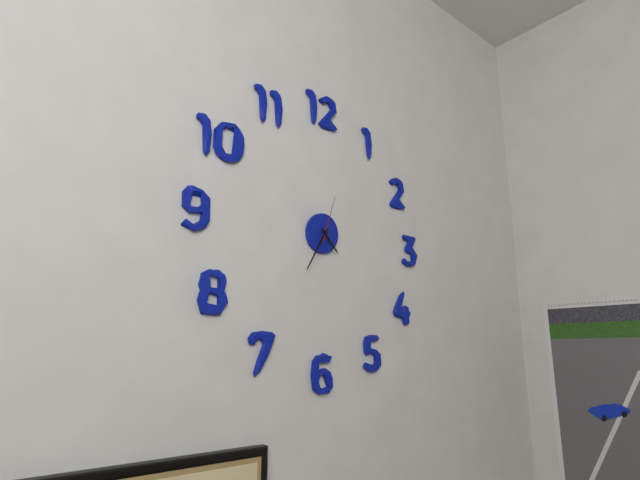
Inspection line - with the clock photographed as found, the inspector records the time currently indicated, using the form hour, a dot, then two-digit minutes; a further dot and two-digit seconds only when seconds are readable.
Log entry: 4.35
